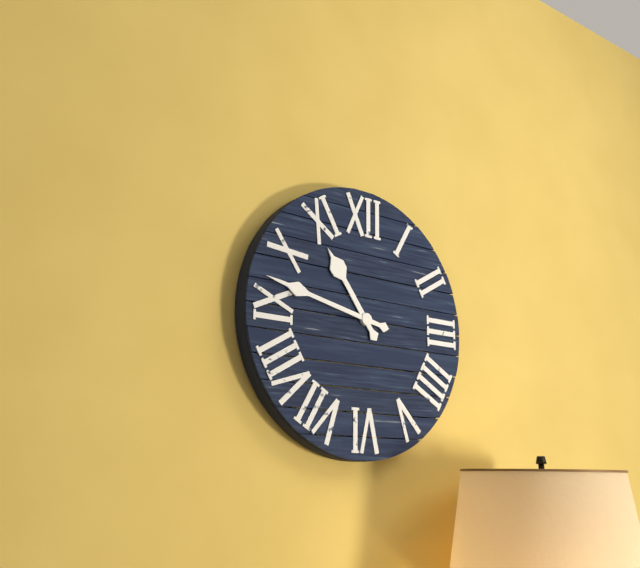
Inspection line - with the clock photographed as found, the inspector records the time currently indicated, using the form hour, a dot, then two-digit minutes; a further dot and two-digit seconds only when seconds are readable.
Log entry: 10.47
